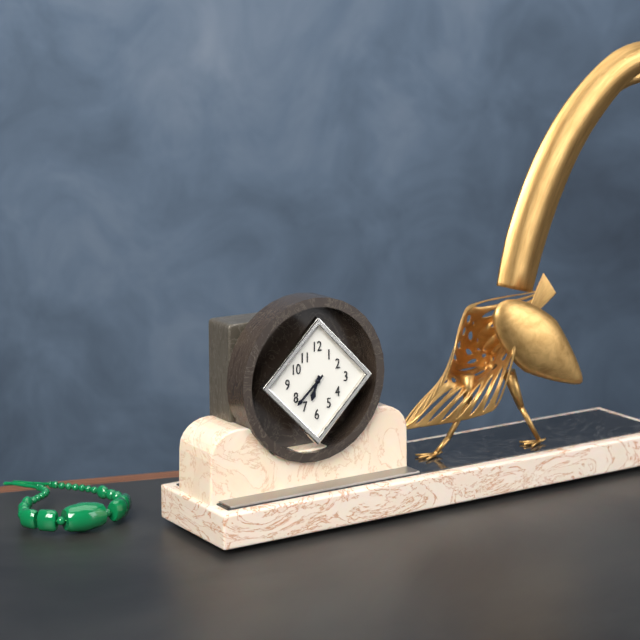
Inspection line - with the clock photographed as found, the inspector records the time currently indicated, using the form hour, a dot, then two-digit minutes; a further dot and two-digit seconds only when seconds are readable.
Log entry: 6.38
